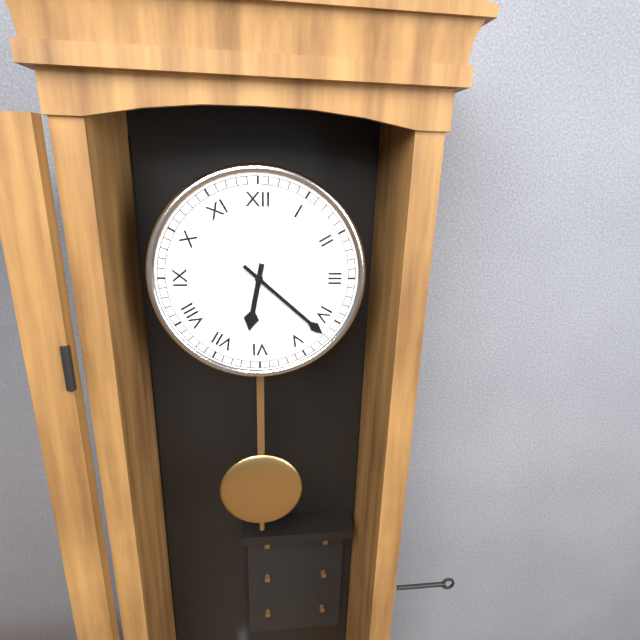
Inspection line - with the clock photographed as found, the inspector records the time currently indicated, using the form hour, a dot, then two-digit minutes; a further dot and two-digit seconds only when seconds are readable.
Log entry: 6.22
